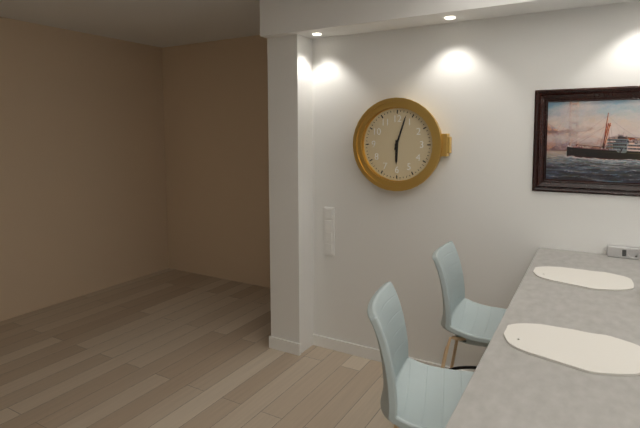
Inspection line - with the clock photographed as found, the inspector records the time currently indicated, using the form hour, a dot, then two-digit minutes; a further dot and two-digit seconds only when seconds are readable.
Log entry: 6.03
